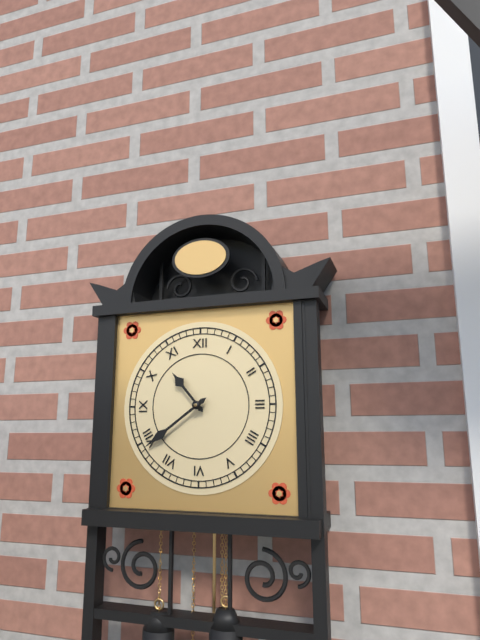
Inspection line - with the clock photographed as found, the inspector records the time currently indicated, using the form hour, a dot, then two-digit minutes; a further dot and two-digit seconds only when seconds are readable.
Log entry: 10.39
